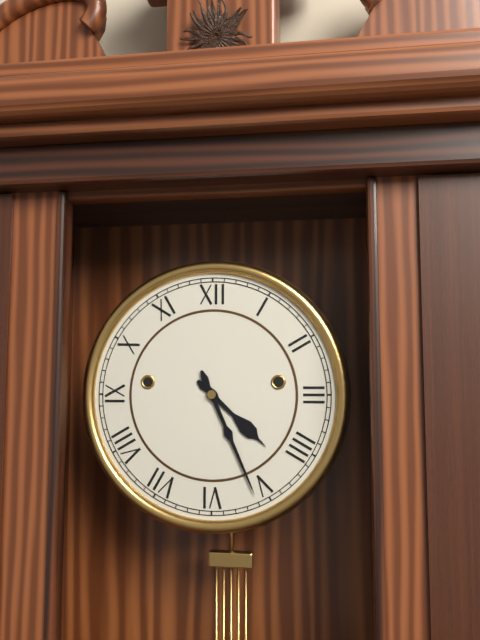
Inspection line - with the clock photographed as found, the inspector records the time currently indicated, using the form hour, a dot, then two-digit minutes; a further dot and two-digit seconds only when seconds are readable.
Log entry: 4.26
